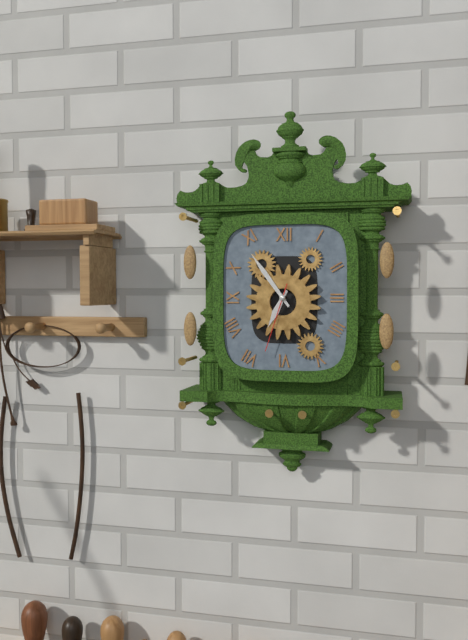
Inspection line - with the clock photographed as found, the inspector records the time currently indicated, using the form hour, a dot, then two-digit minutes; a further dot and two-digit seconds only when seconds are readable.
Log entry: 6.54.33
